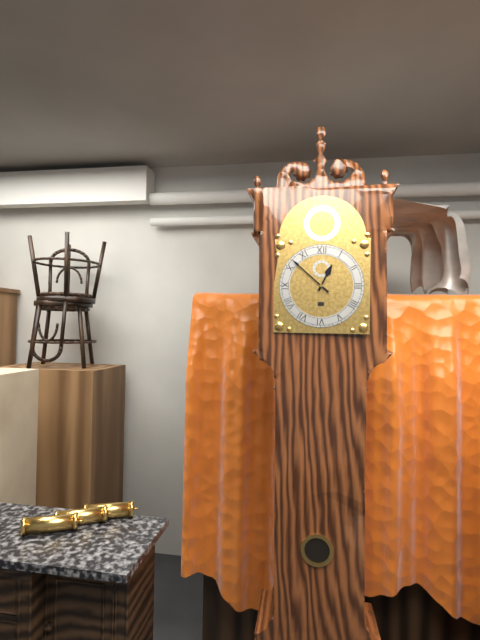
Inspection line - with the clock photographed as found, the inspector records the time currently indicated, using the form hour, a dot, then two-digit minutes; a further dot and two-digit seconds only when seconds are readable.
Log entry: 12.52
